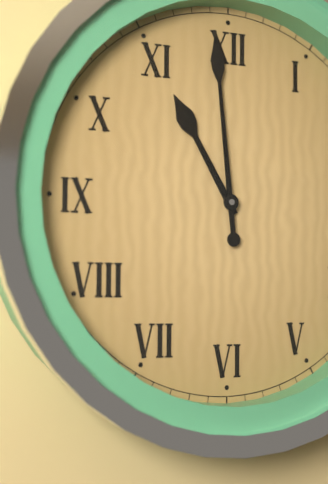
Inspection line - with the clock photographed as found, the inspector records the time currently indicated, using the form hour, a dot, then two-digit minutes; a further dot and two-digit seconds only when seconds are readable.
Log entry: 10.59
